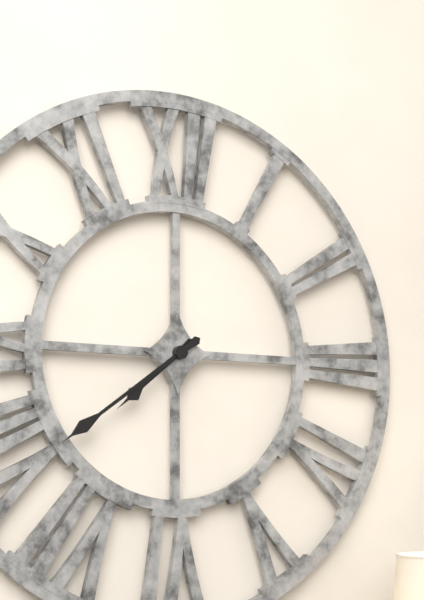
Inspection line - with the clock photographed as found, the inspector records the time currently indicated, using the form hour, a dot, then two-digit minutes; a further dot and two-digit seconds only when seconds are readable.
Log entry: 7.39
